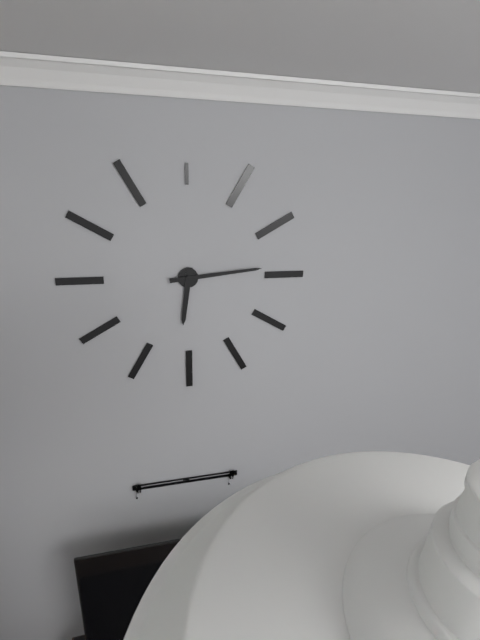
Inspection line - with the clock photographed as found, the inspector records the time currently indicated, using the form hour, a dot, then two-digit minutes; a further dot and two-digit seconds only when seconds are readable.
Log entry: 6.14
